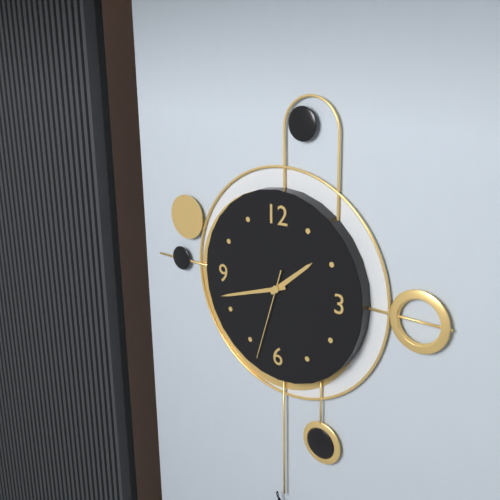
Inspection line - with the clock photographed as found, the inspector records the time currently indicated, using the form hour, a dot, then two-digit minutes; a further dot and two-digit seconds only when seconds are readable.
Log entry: 1.42.33
